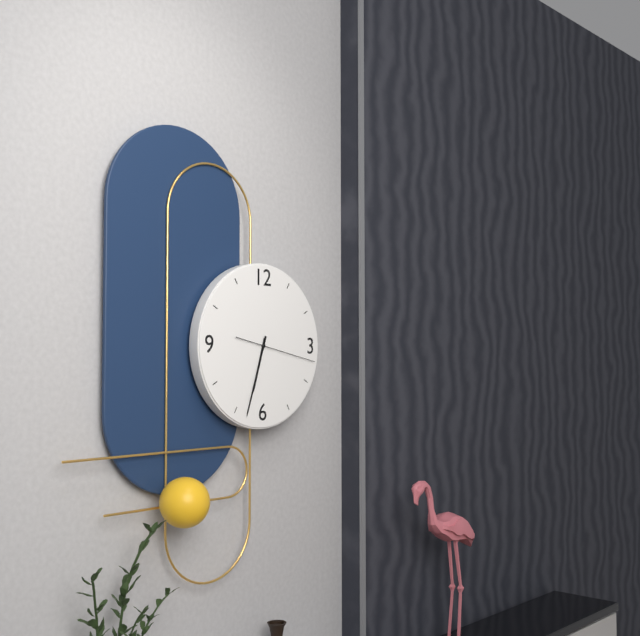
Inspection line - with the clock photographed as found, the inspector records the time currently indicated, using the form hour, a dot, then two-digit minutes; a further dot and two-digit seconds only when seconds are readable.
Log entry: 6.33.17
